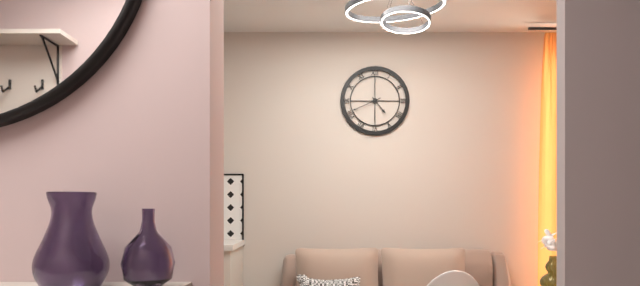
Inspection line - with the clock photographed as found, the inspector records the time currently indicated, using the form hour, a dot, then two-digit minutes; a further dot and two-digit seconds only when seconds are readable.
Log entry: 4.41
